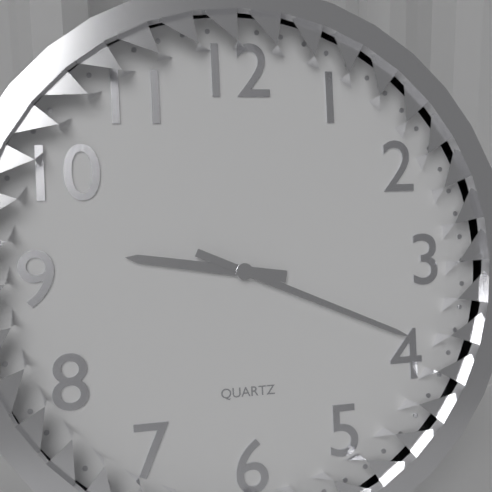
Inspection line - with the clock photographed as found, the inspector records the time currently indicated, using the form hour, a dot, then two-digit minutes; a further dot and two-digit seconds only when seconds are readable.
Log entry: 9.19
